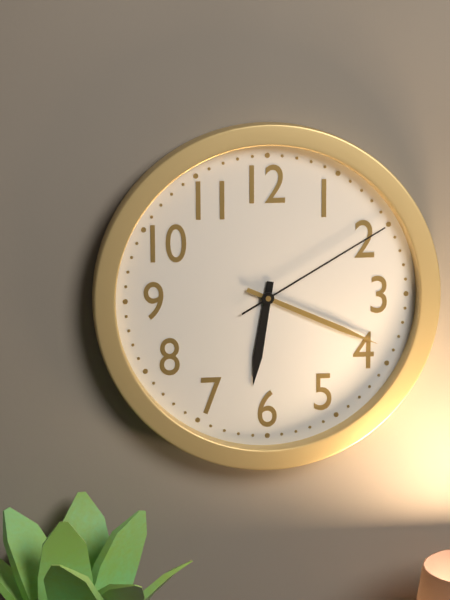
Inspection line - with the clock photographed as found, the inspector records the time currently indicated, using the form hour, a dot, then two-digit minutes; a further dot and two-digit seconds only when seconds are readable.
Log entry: 6.19.10
